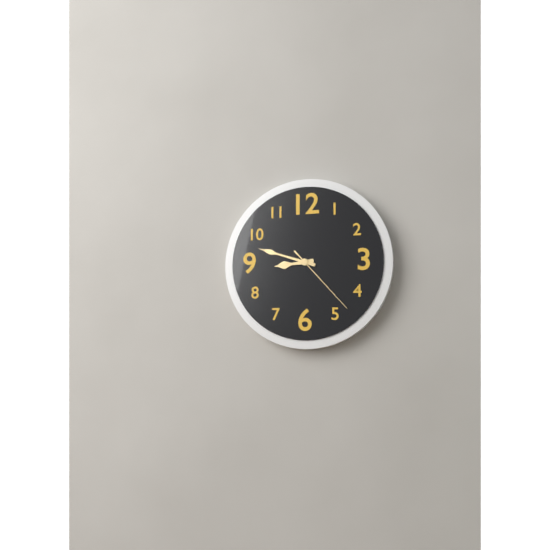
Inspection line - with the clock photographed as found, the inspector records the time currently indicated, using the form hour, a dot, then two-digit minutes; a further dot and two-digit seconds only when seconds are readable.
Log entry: 8.48.23
